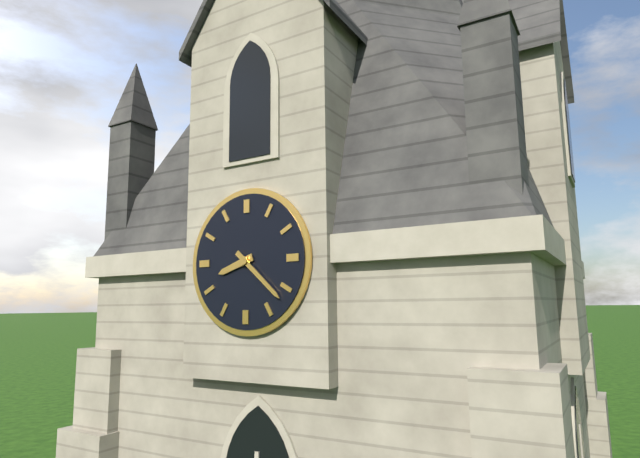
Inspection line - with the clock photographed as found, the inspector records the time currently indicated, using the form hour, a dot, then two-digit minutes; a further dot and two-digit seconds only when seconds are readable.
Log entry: 8.22
